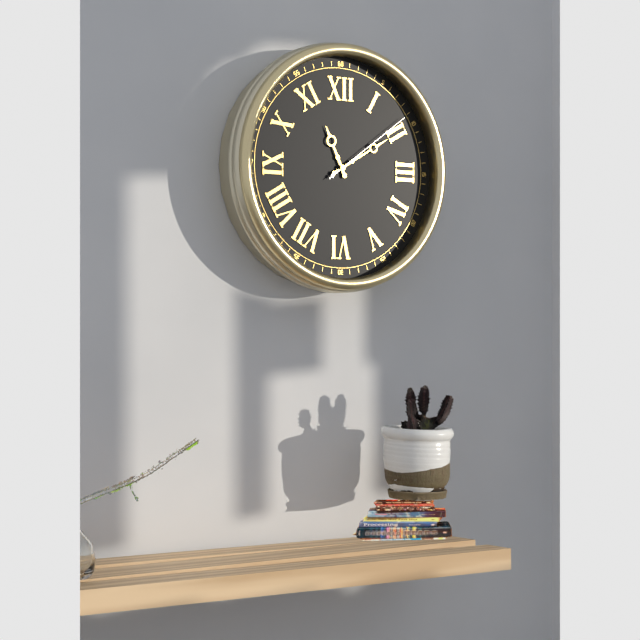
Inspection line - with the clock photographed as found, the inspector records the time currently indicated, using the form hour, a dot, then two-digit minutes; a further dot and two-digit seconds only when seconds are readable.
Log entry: 11.10.09
